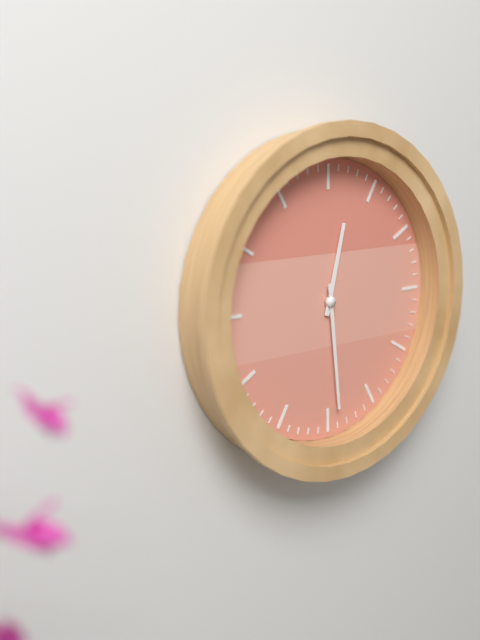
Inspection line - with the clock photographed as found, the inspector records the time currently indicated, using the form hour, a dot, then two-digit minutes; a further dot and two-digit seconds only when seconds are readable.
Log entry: 12.29
